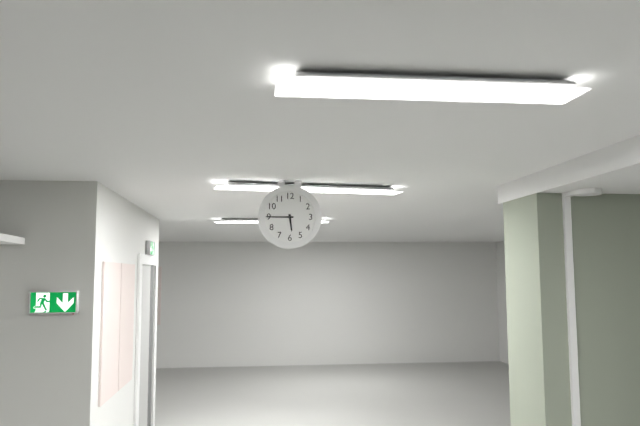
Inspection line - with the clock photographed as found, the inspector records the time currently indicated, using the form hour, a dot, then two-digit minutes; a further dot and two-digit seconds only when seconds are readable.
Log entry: 5.45
